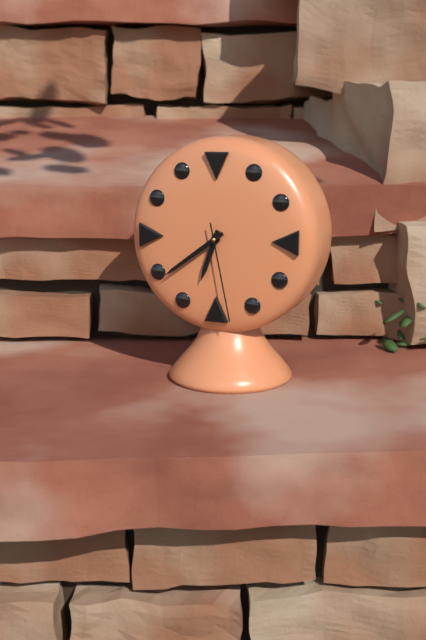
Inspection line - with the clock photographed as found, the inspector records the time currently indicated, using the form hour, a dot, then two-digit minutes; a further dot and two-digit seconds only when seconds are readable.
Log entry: 6.39.28
